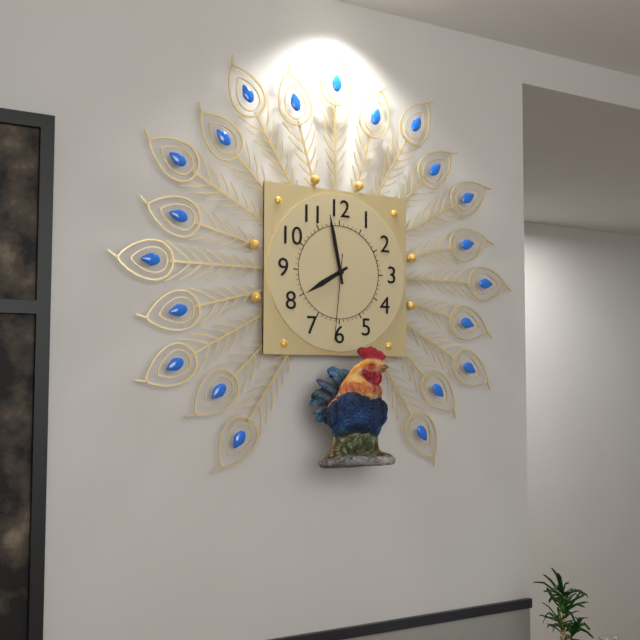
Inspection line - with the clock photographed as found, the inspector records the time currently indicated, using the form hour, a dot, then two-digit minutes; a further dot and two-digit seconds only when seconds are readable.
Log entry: 7.58.31
